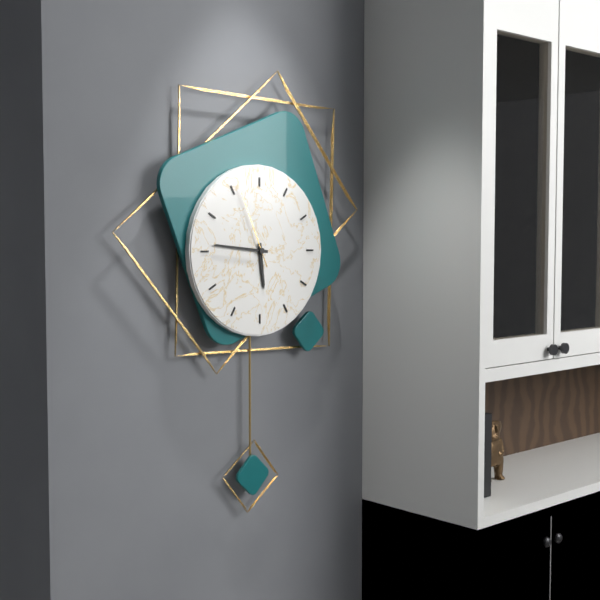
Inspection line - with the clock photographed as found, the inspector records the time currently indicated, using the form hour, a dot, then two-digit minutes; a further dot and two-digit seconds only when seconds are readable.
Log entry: 5.46.56
